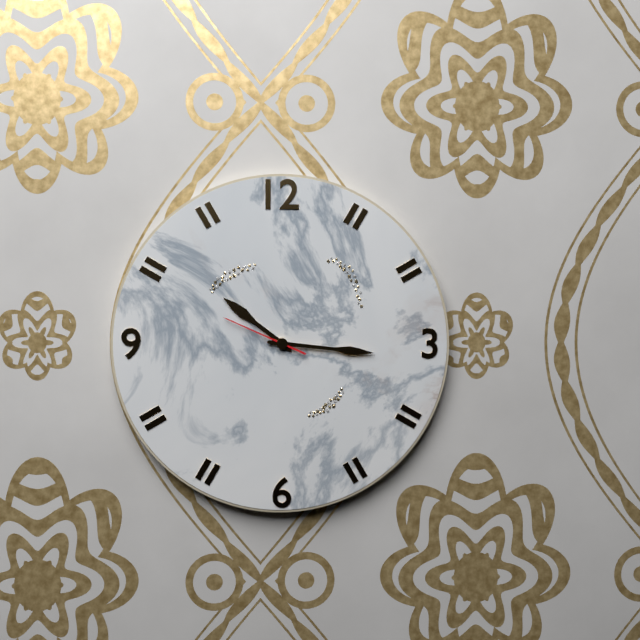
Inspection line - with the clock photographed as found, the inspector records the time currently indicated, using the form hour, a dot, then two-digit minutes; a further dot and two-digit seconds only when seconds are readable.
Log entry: 10.16.49
